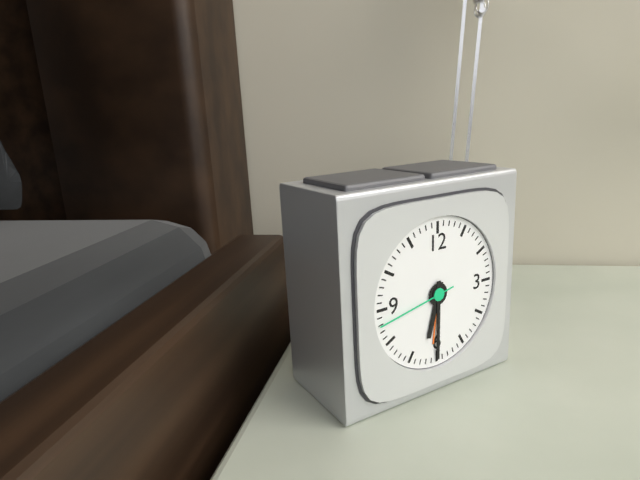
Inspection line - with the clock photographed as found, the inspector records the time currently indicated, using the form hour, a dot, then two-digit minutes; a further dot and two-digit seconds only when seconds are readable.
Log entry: 6.30.43
